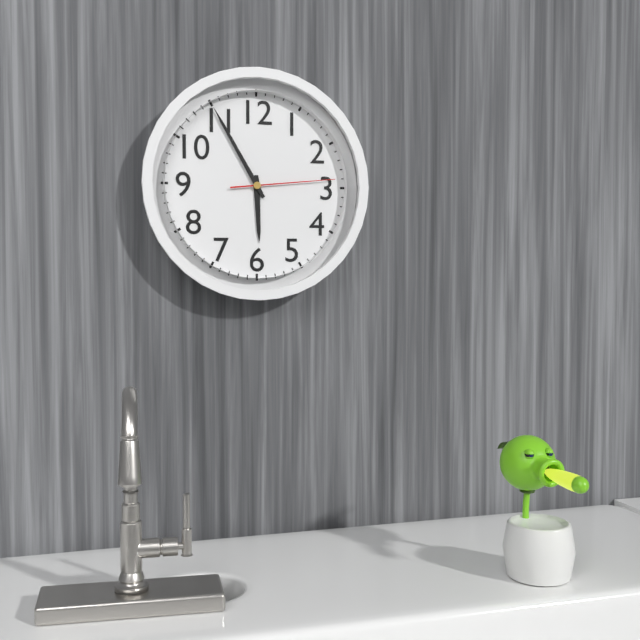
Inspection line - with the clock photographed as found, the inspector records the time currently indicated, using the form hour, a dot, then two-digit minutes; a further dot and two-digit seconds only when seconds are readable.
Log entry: 5.55.14
